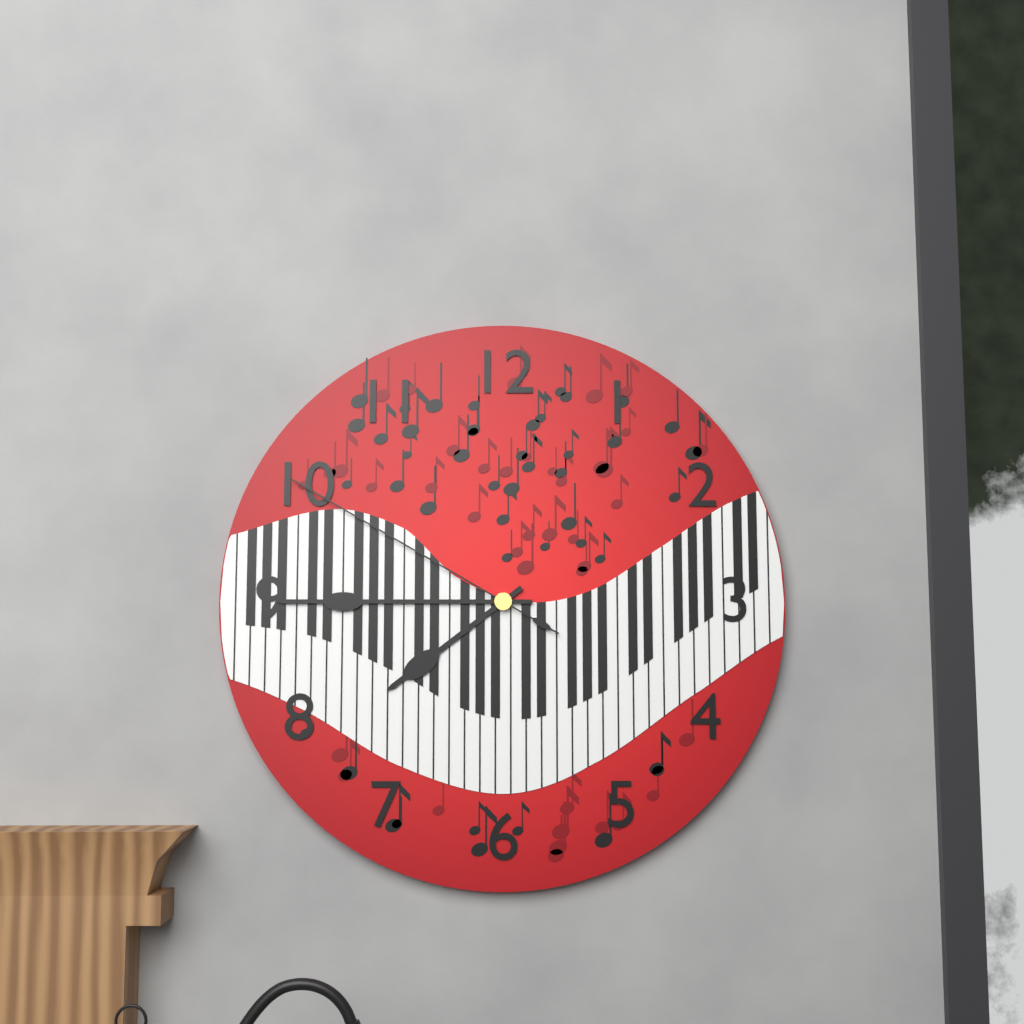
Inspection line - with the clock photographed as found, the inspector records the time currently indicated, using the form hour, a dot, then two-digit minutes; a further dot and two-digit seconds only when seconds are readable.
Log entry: 7.45.50
